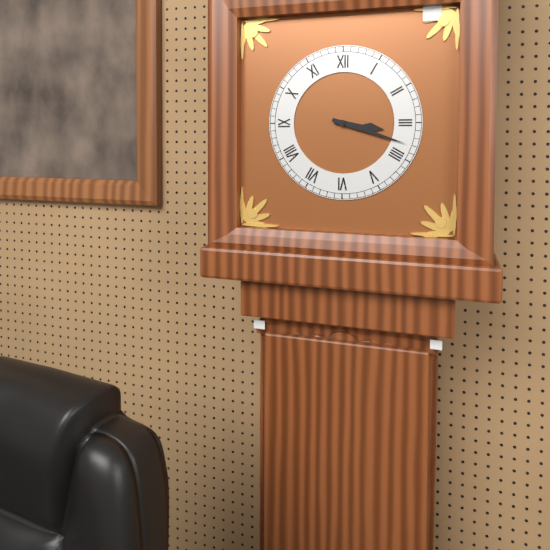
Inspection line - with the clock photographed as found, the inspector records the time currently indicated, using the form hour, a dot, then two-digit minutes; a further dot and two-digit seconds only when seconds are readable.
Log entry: 3.18
